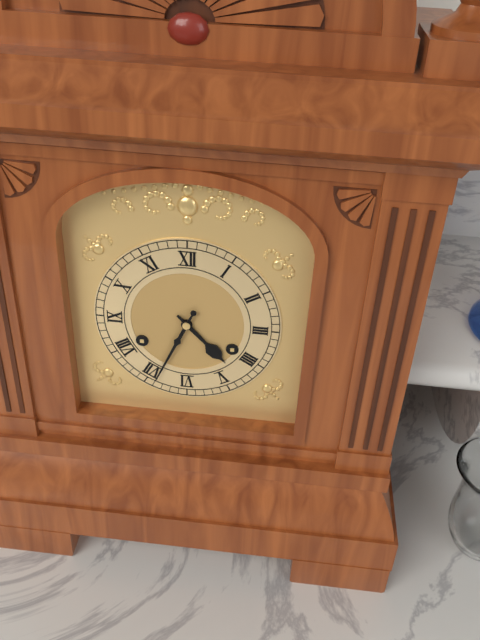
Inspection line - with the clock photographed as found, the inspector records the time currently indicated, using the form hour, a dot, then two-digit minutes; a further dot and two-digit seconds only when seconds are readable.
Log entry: 4.34
